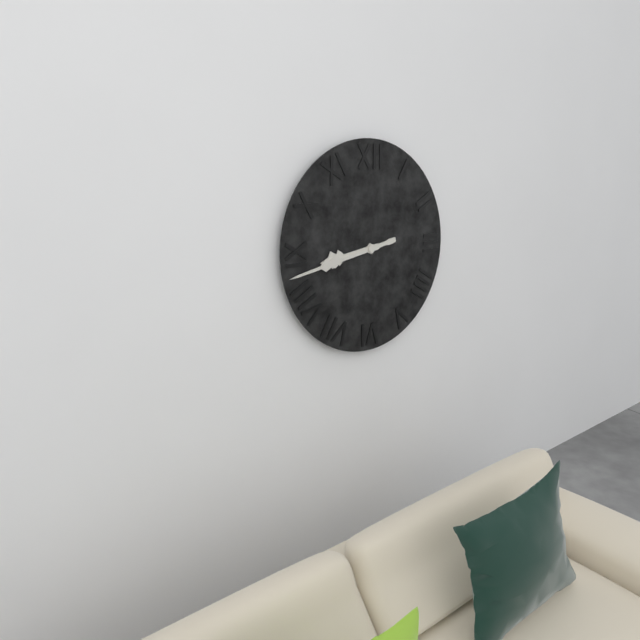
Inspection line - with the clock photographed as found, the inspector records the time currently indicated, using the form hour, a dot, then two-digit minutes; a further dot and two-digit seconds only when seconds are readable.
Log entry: 8.43
